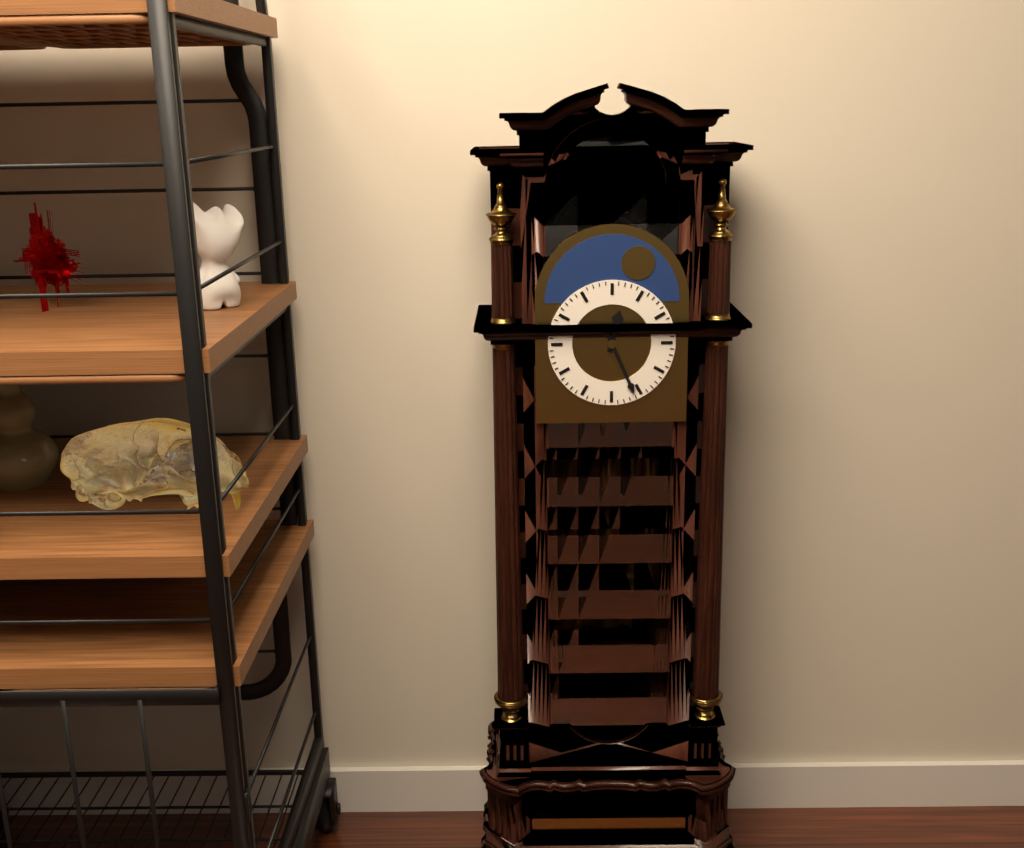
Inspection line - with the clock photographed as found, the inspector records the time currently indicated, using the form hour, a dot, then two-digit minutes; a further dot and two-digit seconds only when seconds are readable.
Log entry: 12.26
